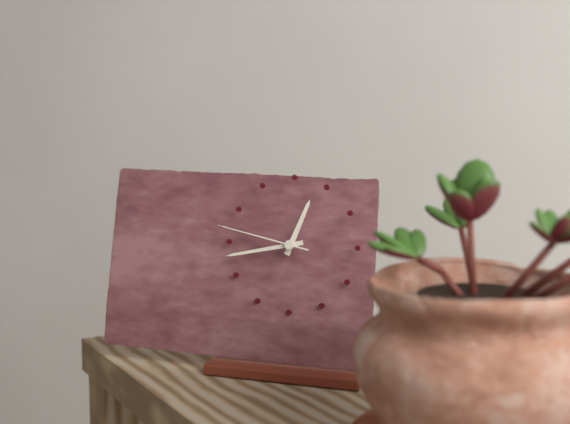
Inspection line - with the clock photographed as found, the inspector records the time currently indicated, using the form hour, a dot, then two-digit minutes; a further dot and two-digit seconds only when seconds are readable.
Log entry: 12.43.47
